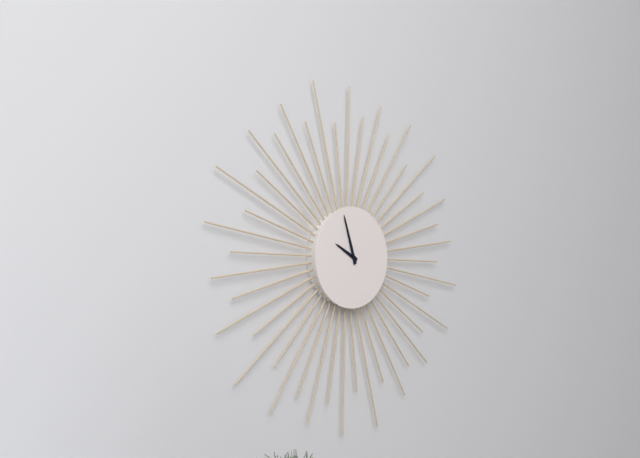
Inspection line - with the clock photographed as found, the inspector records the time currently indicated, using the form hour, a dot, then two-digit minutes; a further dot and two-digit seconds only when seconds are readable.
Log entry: 9.57
